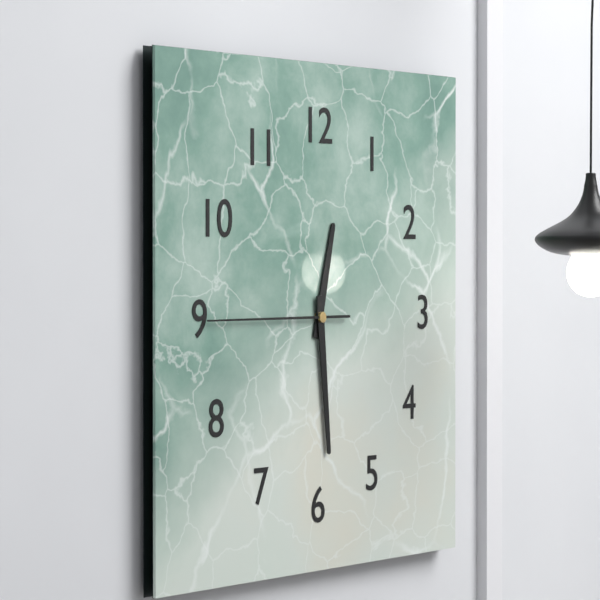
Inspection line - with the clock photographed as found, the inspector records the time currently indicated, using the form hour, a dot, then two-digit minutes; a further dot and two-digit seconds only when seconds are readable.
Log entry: 12.29.45
